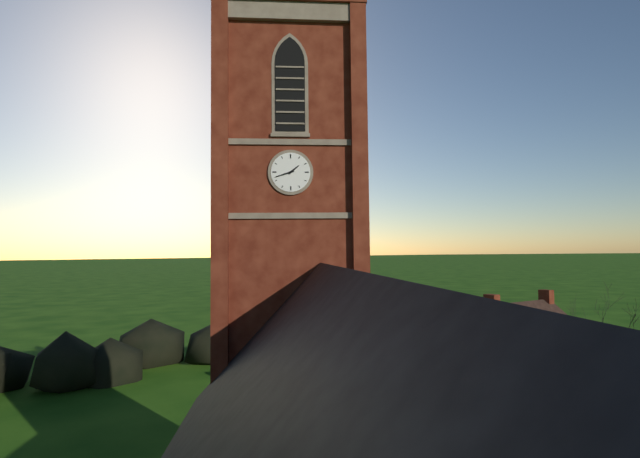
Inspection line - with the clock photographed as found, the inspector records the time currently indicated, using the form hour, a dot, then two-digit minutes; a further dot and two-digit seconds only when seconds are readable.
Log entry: 1.42
